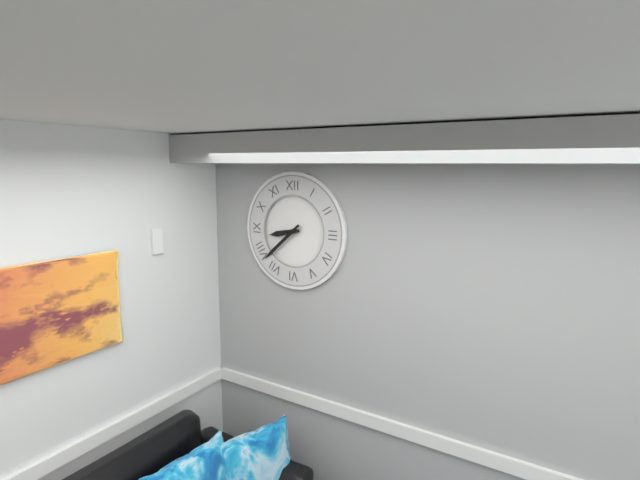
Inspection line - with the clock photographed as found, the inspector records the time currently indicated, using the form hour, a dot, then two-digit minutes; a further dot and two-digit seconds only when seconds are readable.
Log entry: 8.38
